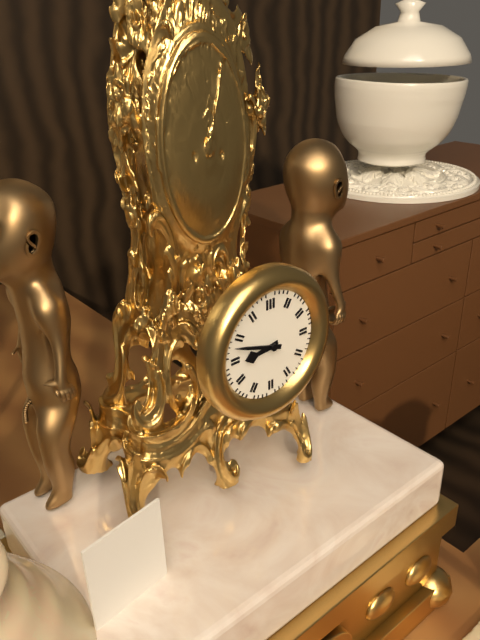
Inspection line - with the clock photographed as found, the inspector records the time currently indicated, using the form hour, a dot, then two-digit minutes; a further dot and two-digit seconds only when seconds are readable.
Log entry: 8.48
